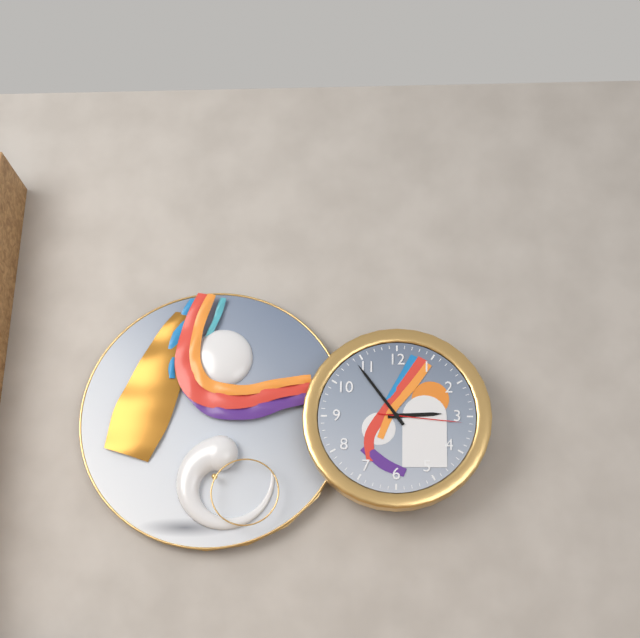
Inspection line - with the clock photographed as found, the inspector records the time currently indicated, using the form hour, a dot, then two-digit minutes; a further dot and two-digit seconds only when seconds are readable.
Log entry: 2.54.16
